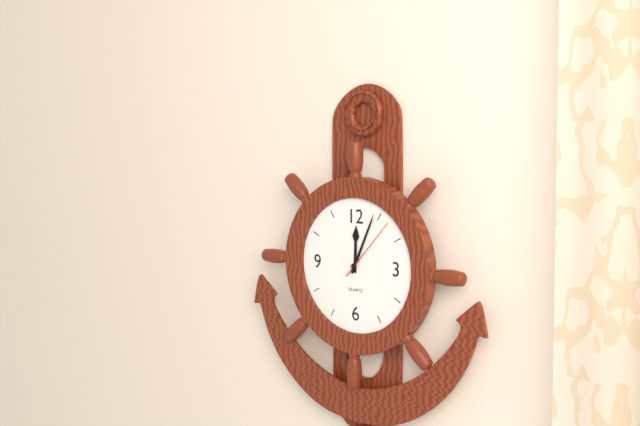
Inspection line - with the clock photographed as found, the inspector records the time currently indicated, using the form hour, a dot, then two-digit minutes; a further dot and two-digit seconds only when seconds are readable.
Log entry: 12.04.07
